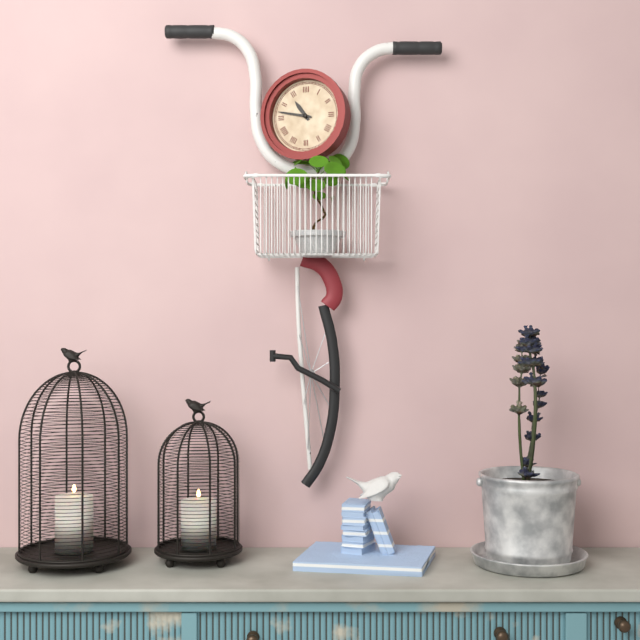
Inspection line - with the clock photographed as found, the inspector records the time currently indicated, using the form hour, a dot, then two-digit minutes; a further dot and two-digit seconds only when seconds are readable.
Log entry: 10.47
